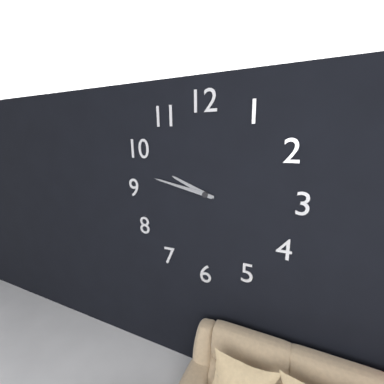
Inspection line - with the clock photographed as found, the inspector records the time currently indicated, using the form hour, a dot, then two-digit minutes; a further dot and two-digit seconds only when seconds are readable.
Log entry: 9.47
